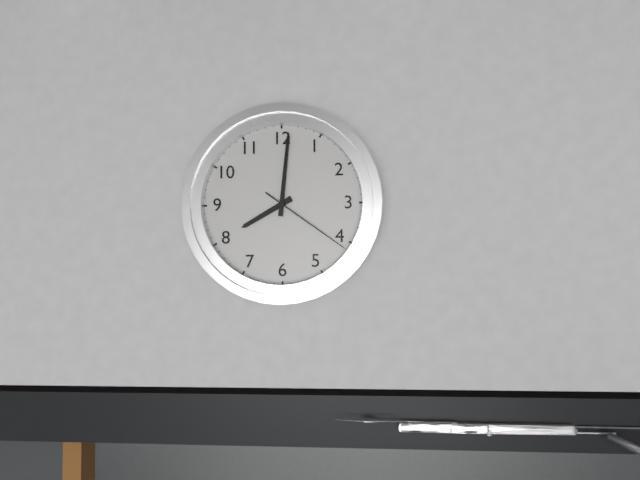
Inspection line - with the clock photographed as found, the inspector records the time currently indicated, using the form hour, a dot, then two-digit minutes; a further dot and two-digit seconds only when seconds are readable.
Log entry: 8.01.21
